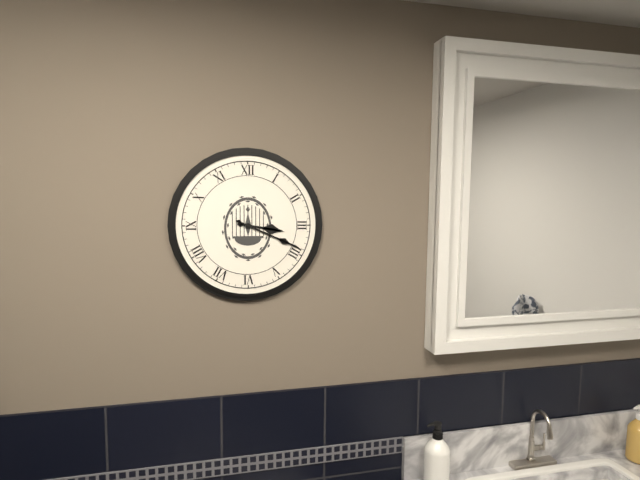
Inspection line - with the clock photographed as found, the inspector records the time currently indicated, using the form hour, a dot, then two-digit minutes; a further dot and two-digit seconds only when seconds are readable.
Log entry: 3.19
